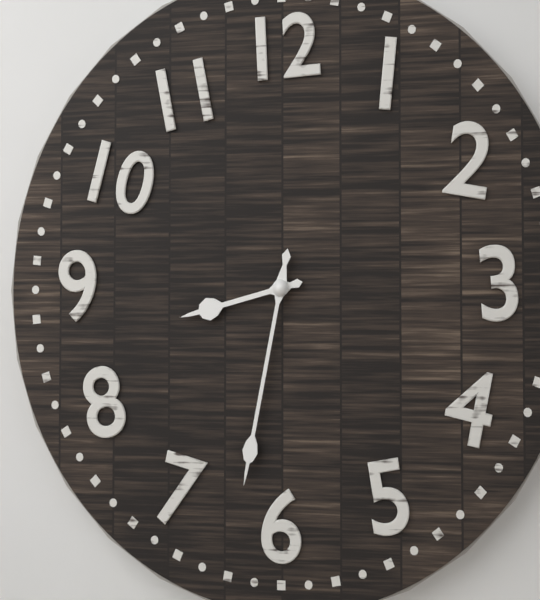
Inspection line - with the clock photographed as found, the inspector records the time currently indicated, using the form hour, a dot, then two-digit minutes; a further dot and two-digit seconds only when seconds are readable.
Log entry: 8.32
